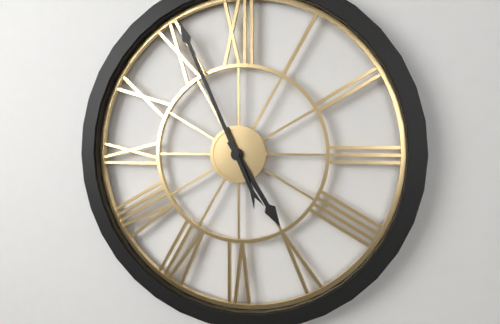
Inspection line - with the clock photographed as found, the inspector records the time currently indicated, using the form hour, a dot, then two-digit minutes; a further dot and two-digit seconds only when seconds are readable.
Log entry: 4.56
